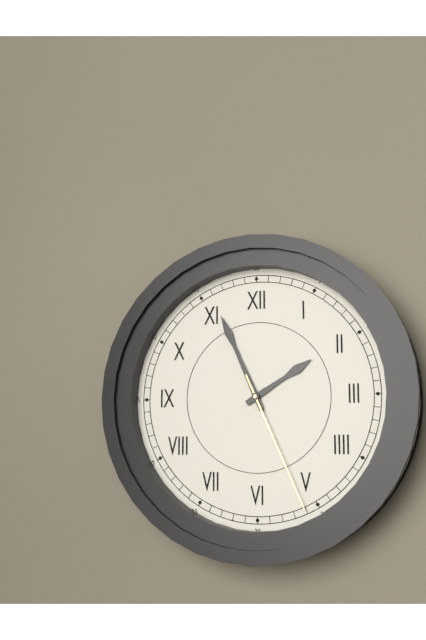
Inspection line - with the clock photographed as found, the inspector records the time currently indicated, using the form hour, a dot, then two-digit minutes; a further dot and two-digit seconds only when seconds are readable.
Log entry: 1.56.26
